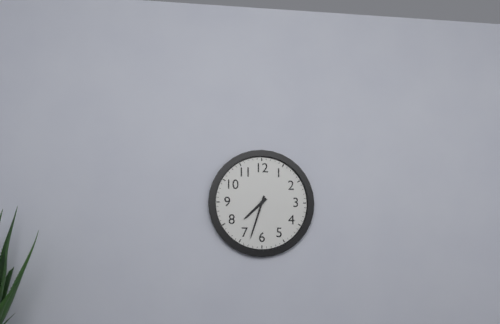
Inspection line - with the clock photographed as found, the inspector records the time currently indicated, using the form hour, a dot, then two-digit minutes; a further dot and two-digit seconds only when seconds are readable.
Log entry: 7.33
